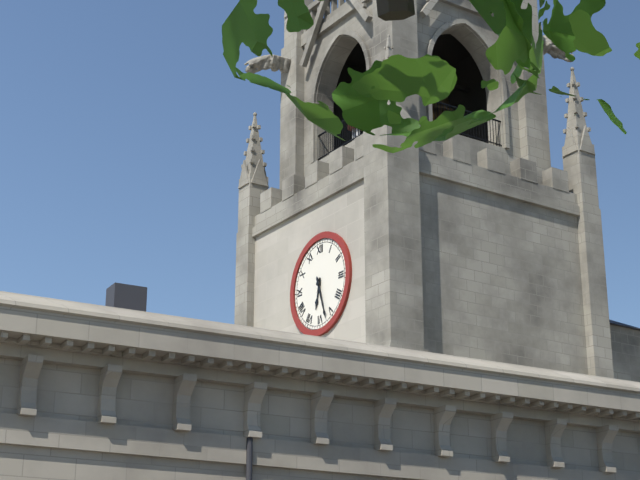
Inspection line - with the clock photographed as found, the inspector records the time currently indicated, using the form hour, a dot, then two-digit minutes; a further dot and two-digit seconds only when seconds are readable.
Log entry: 6.27
